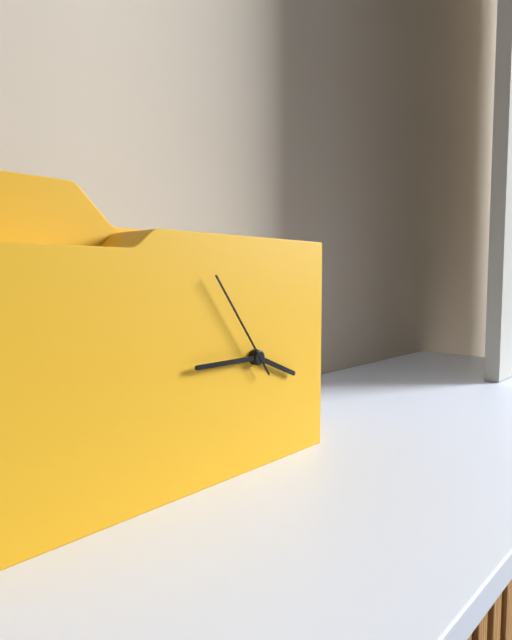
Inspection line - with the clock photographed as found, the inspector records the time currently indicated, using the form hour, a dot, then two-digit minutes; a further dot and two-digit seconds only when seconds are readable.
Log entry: 3.45.54
